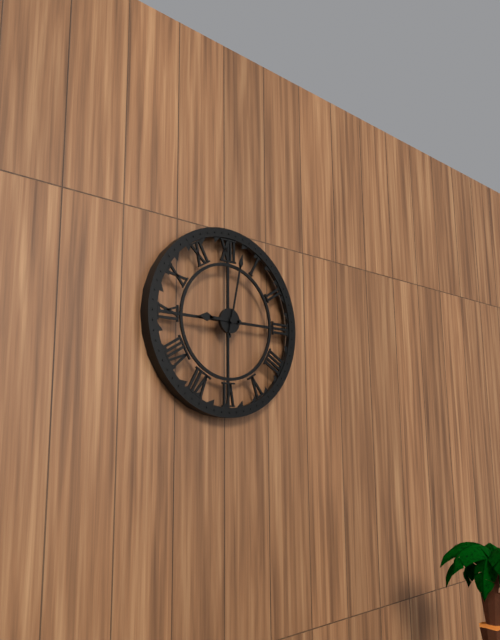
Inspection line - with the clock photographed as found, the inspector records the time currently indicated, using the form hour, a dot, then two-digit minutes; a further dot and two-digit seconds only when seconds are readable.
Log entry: 9.02
